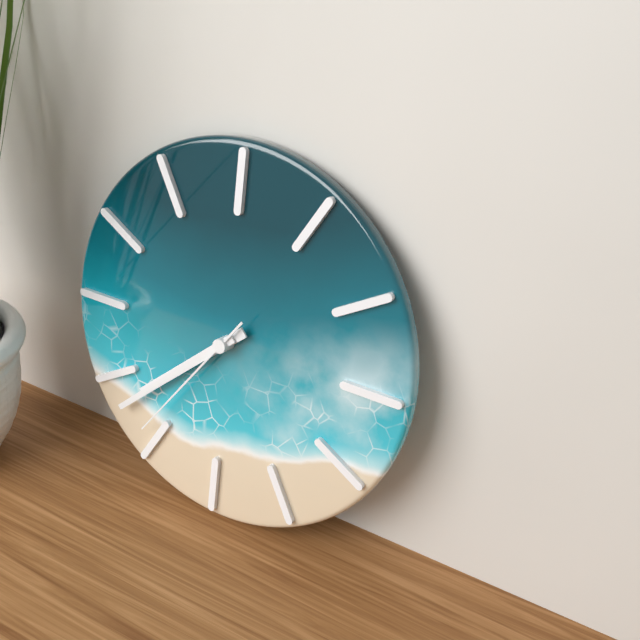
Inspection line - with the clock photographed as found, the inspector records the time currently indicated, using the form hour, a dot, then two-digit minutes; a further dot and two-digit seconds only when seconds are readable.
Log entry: 7.38.36
